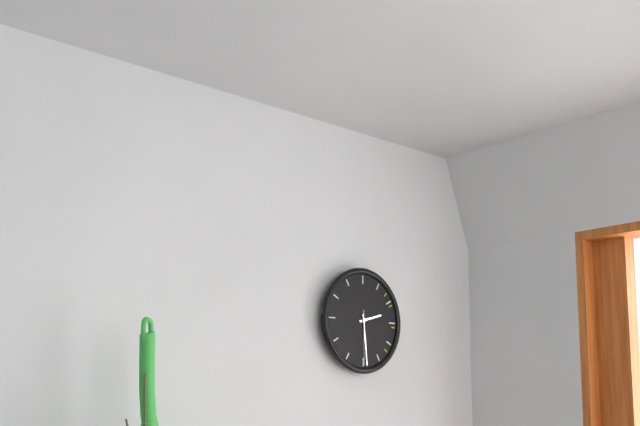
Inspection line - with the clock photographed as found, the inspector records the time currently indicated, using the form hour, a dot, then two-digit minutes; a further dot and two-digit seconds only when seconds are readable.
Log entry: 2.29.30
